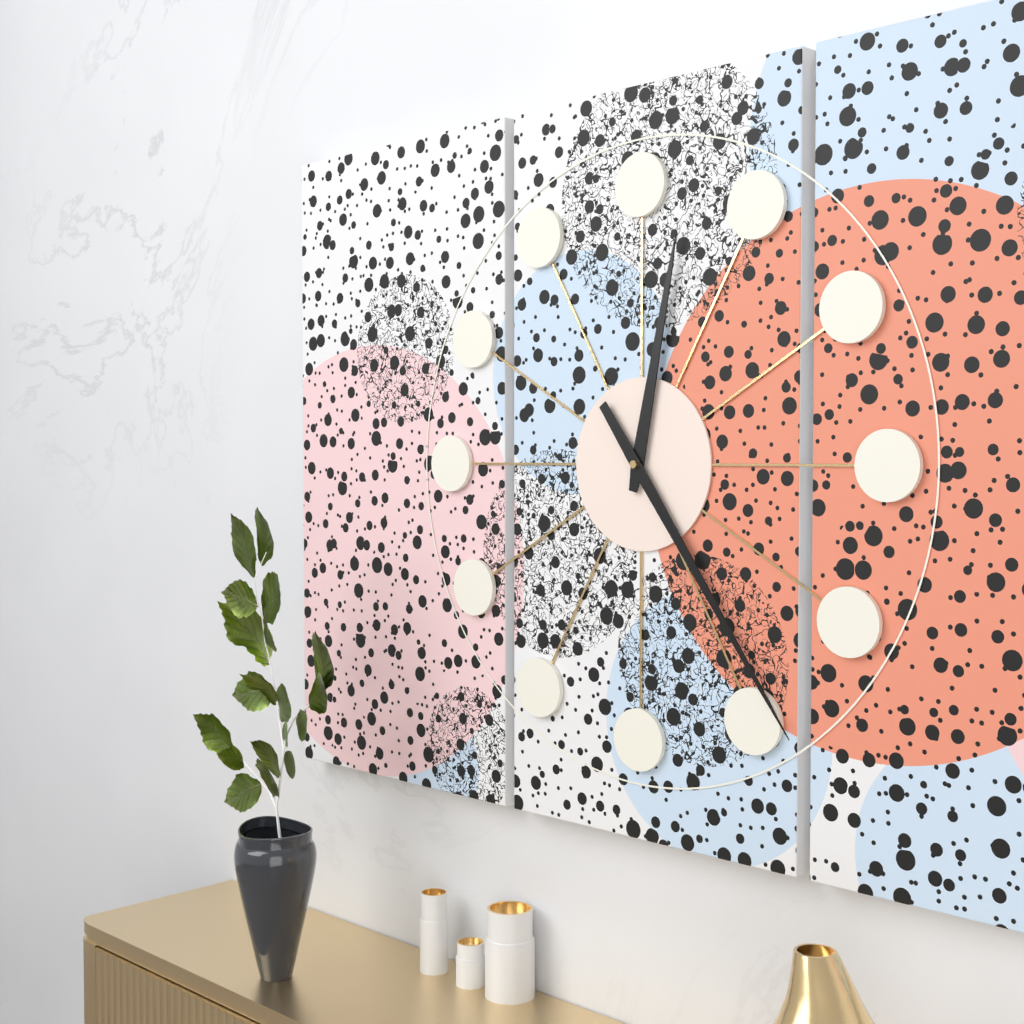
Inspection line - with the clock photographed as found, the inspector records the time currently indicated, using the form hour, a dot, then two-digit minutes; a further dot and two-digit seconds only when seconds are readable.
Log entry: 12.24
